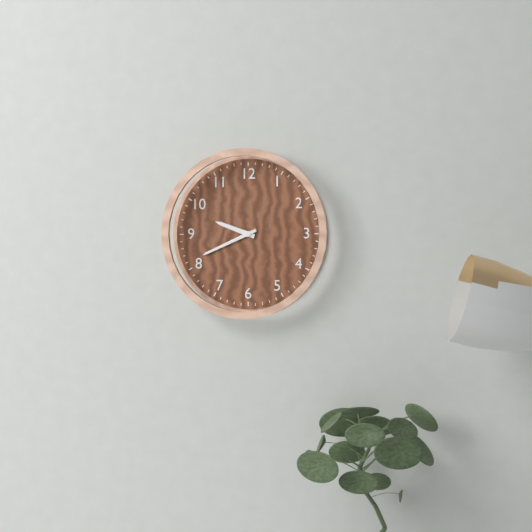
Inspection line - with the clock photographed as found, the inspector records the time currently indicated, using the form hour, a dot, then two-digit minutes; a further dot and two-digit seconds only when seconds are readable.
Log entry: 9.41
